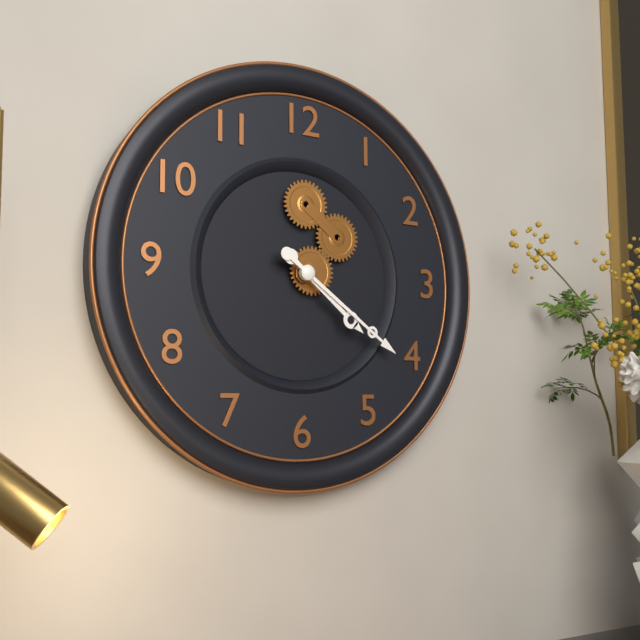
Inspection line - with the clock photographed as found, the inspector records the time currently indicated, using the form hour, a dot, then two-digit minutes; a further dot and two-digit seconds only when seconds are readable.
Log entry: 4.21
